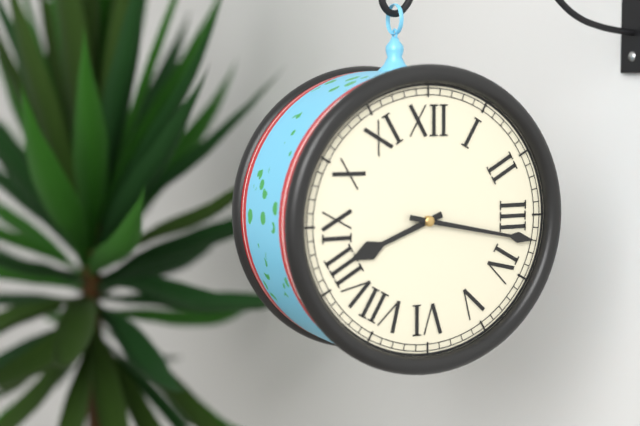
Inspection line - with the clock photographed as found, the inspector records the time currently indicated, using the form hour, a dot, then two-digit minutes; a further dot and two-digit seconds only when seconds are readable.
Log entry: 8.17
